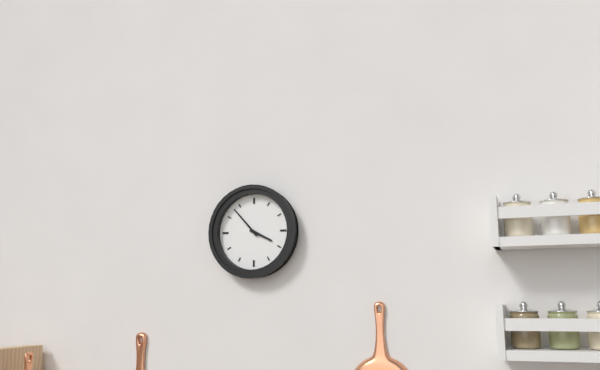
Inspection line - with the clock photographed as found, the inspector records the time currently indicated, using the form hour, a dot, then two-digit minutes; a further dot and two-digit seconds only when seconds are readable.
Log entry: 3.53
